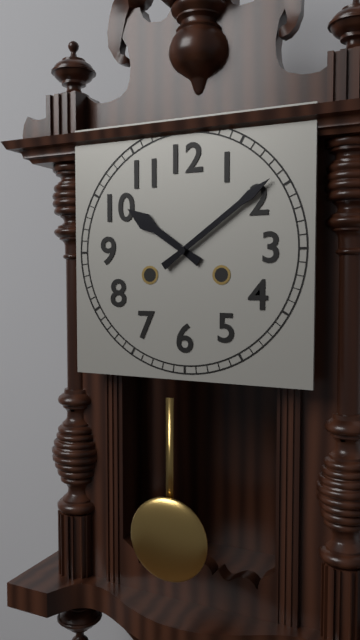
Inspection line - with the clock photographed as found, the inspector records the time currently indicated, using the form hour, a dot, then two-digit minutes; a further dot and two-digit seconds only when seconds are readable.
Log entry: 10.09
